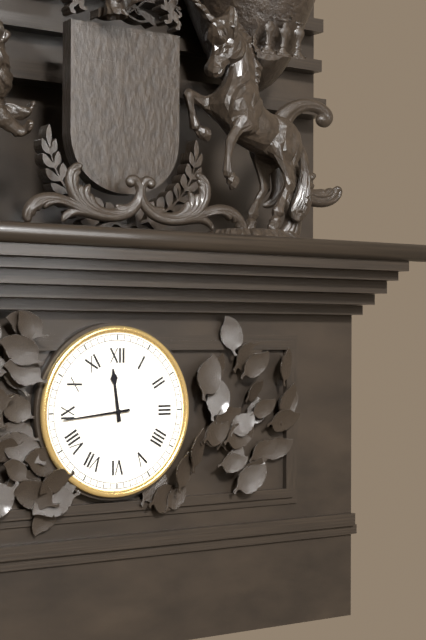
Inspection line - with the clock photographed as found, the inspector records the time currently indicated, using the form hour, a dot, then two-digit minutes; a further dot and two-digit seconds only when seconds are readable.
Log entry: 11.44
